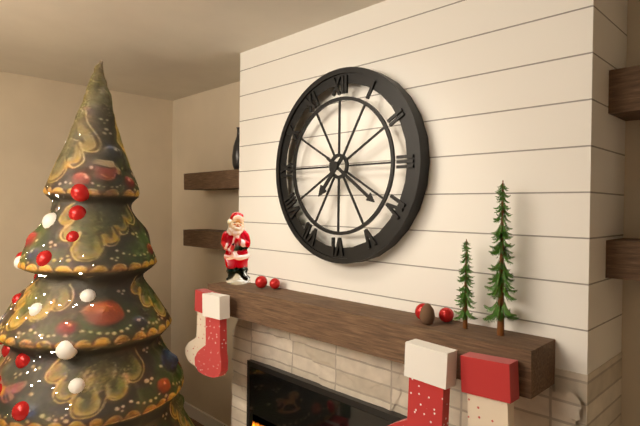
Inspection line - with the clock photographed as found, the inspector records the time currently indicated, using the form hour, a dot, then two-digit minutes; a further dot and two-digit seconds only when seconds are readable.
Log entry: 7.21
